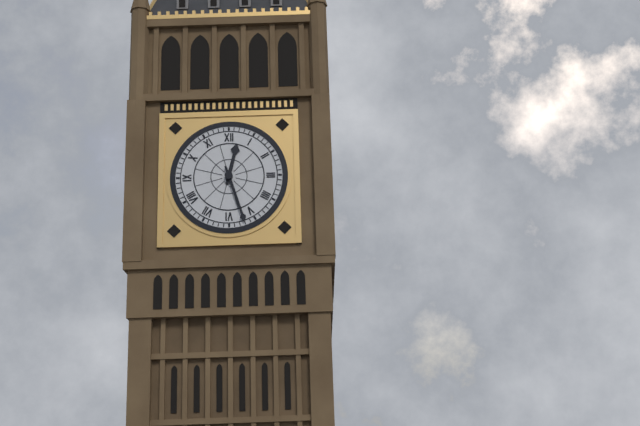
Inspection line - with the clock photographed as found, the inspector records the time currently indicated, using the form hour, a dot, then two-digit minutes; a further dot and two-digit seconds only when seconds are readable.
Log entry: 12.27
